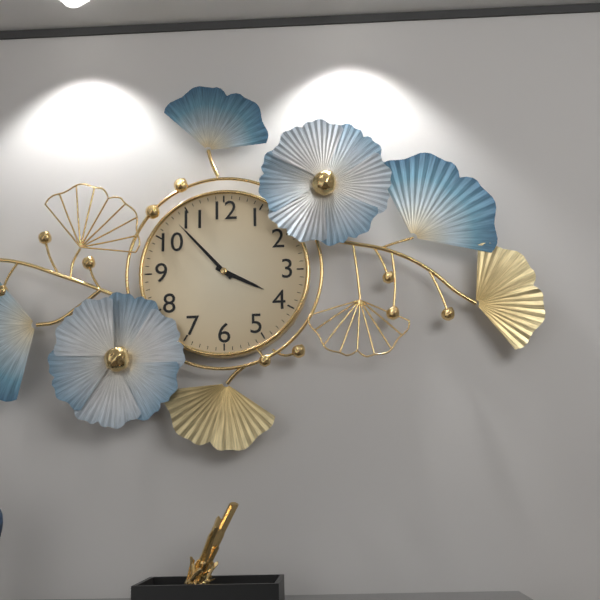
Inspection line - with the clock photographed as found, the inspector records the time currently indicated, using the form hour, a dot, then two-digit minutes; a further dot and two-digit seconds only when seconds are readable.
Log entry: 3.53
